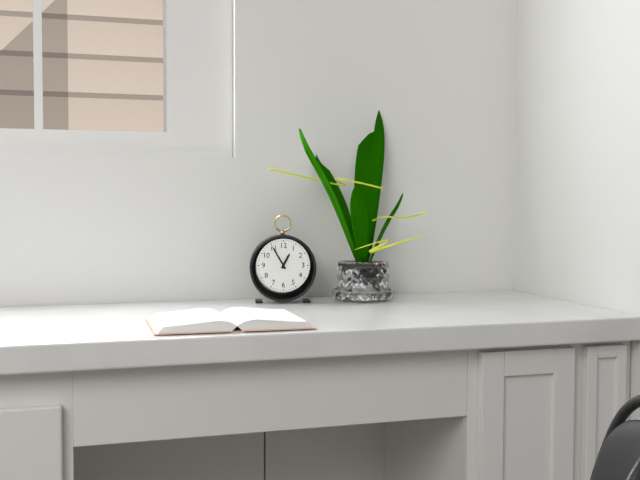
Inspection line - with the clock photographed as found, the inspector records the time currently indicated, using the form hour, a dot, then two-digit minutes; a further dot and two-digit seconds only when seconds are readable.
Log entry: 12.55
